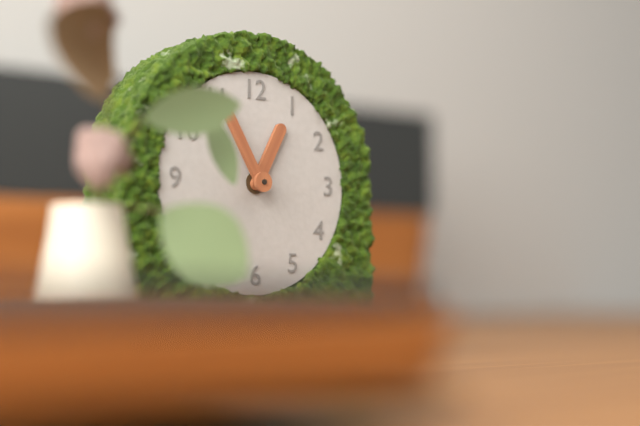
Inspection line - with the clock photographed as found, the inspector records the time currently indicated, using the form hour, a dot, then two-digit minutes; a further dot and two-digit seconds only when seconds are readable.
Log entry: 12.55
